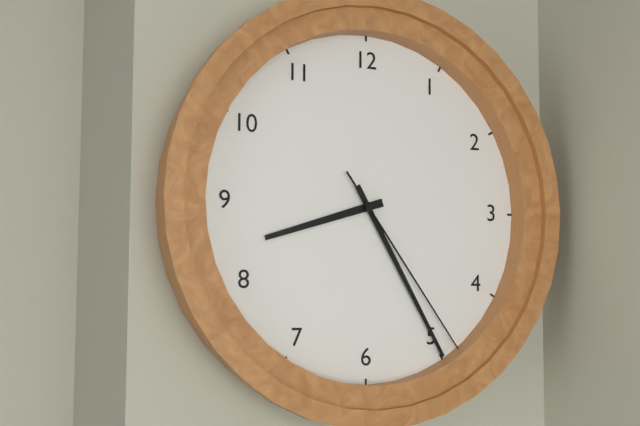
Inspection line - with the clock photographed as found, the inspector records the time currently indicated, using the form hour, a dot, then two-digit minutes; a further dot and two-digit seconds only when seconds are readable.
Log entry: 8.25.24
